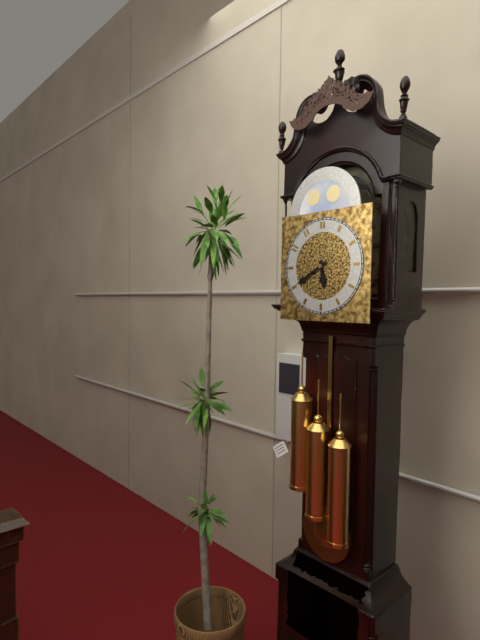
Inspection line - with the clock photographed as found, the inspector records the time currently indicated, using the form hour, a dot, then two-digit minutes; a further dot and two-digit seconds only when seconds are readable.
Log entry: 5.40
